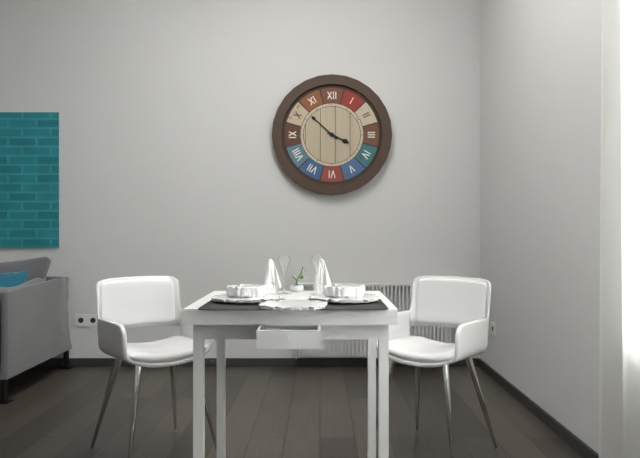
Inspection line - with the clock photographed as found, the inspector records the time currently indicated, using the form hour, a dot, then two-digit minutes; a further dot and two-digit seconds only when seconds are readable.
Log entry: 3.52
